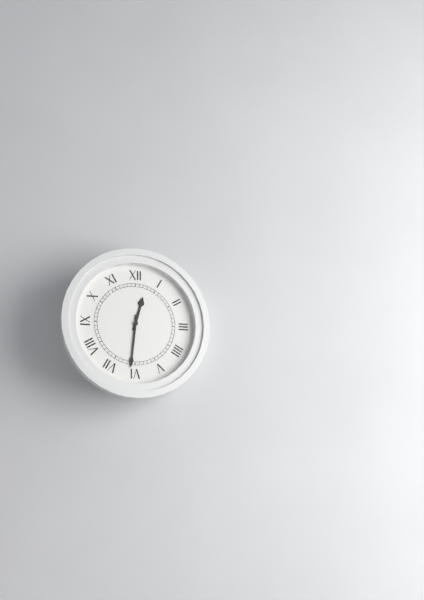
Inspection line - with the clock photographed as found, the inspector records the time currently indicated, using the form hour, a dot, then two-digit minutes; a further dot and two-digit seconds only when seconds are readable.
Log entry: 12.31
